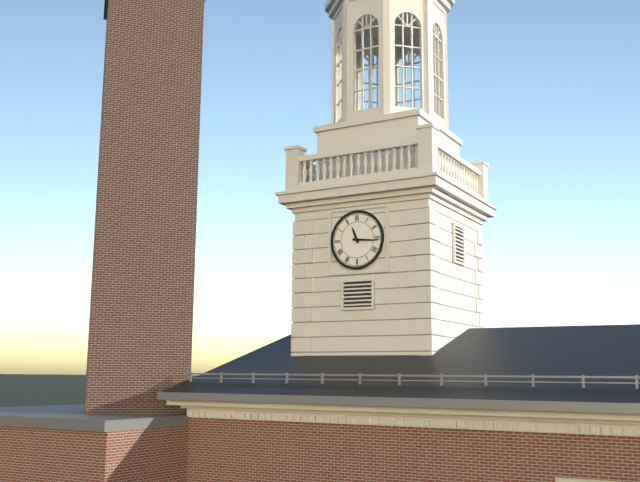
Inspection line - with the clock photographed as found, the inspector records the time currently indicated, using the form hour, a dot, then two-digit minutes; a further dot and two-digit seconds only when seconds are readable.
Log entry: 11.16
